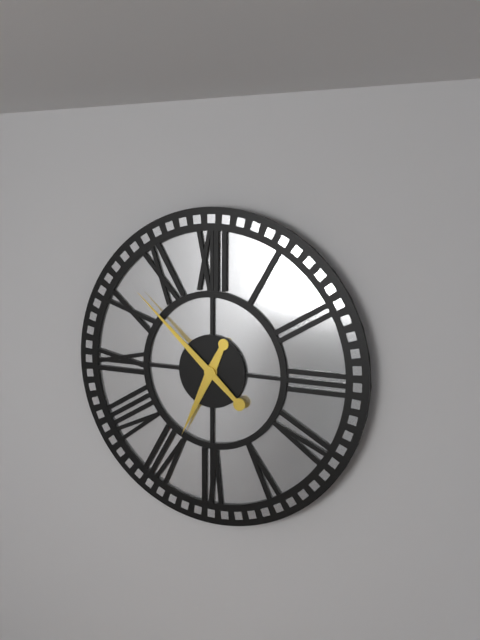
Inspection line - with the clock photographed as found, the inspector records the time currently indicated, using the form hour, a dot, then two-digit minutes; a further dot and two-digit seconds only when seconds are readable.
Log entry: 6.52
